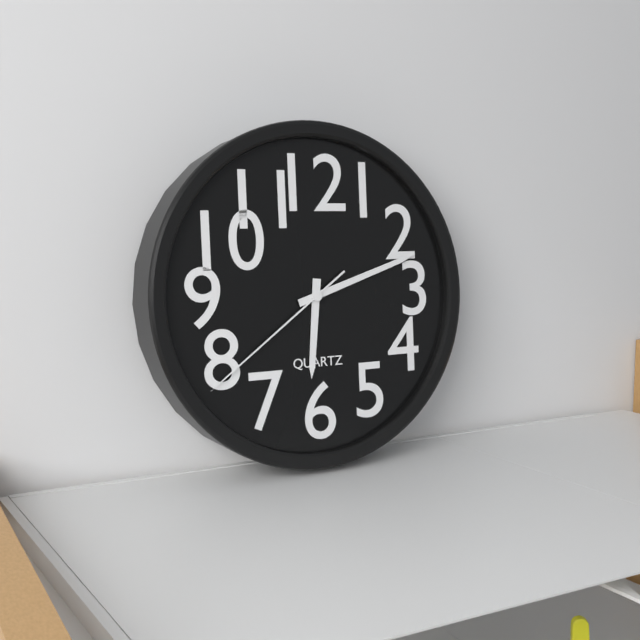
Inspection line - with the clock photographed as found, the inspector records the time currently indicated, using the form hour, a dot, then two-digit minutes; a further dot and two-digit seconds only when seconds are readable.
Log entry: 6.12.39
